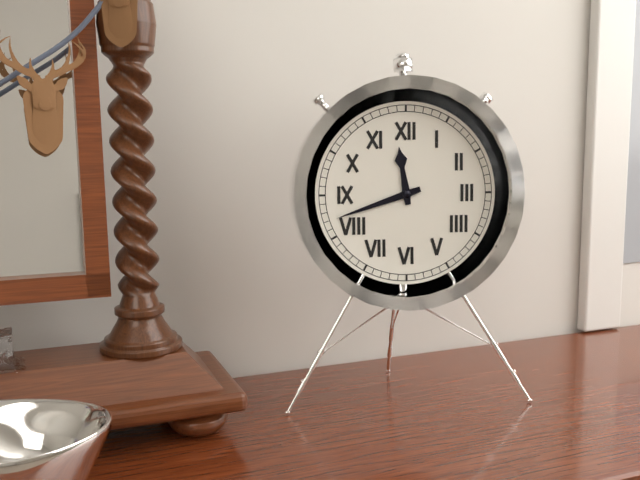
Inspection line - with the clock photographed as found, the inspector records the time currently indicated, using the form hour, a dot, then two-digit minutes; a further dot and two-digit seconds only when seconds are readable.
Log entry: 11.42
